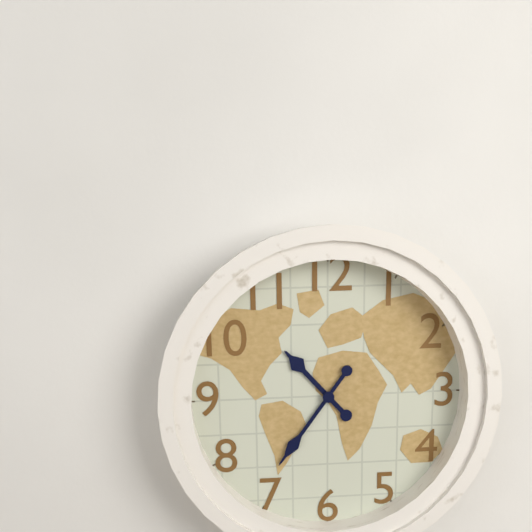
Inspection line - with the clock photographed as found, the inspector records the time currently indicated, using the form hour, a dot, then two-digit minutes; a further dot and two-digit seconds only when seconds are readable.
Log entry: 10.36
